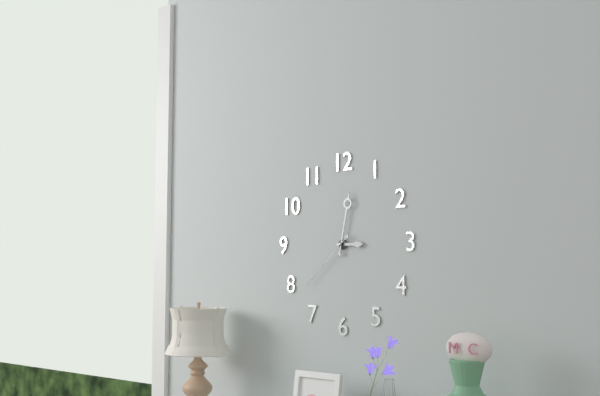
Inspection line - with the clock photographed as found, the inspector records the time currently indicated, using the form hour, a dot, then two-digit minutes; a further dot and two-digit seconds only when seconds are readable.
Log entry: 3.02.38
